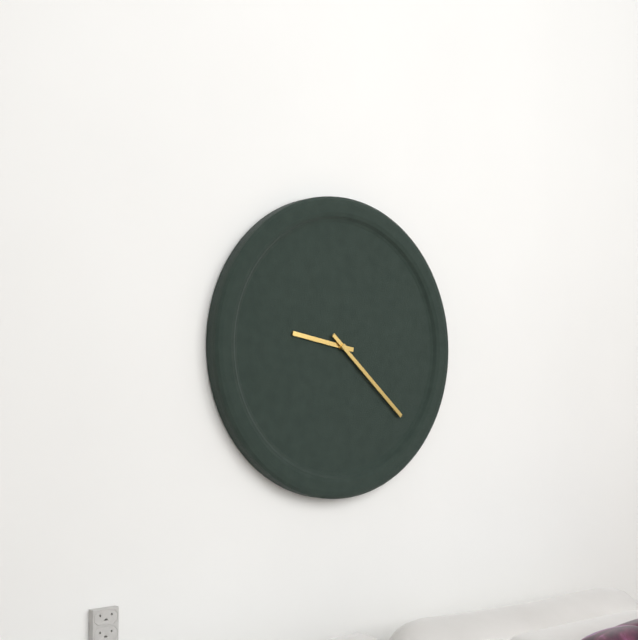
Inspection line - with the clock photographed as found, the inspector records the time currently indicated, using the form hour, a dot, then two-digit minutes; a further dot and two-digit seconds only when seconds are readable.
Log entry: 9.22
